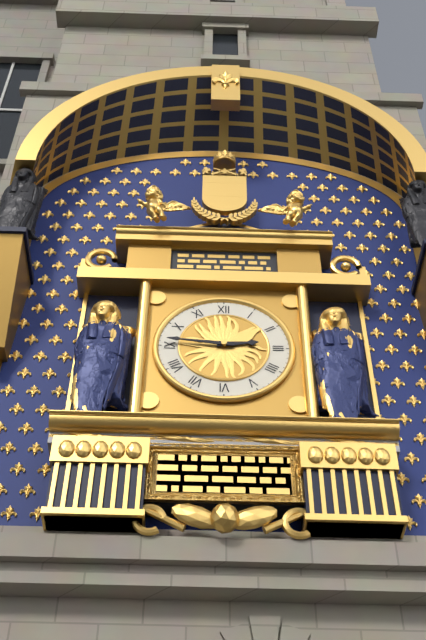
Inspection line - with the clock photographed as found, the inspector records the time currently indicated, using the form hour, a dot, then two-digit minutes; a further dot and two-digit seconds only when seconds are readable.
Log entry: 2.46
